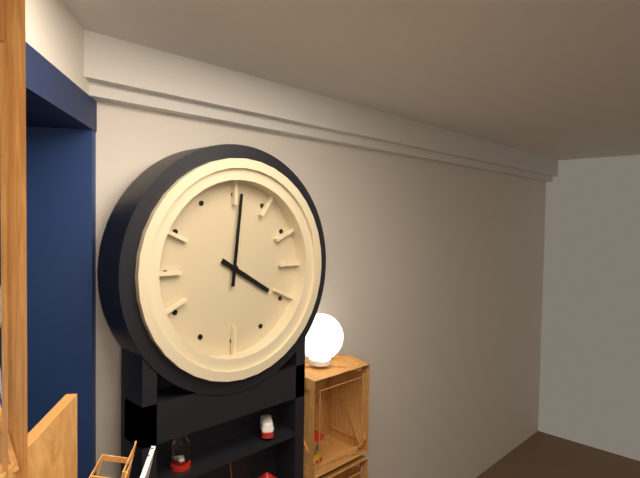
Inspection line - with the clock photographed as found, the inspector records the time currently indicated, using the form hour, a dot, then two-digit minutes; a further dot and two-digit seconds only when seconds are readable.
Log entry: 4.01
